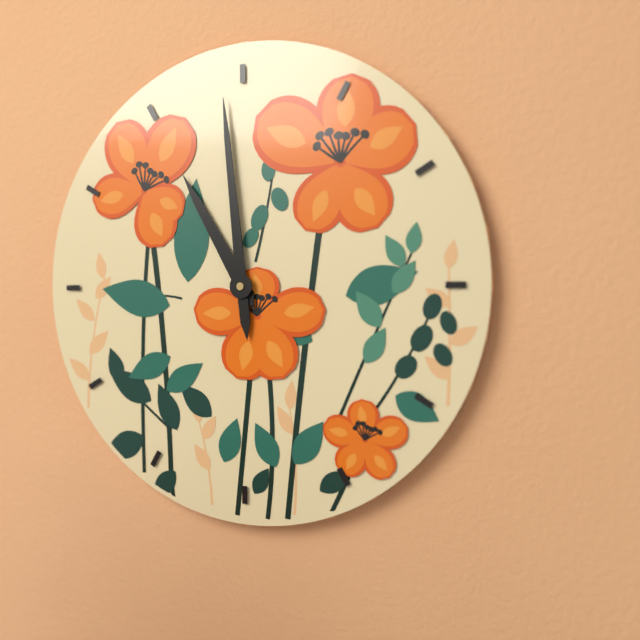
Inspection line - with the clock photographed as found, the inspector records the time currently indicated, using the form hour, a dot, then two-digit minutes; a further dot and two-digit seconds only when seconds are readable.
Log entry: 10.59
